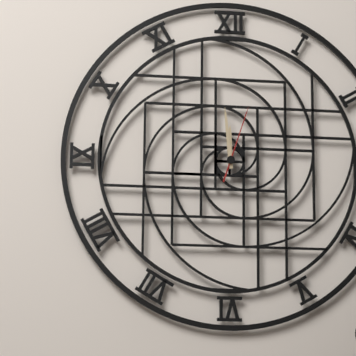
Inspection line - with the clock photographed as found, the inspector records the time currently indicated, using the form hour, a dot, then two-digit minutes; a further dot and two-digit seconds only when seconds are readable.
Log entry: 11.59.03
